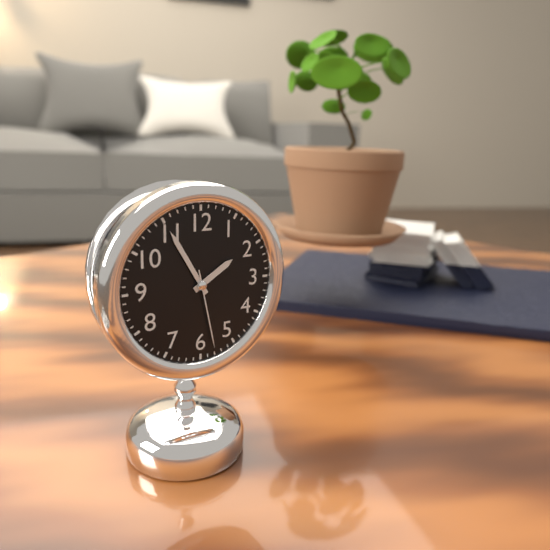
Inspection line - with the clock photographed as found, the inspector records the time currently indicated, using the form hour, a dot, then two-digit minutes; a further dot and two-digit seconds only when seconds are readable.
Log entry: 1.55.28
